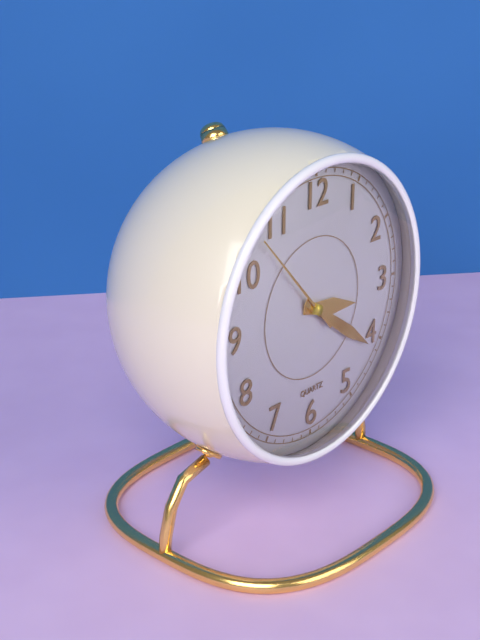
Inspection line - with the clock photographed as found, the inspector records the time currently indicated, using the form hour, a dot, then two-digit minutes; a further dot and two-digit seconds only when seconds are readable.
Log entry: 3.21.53
